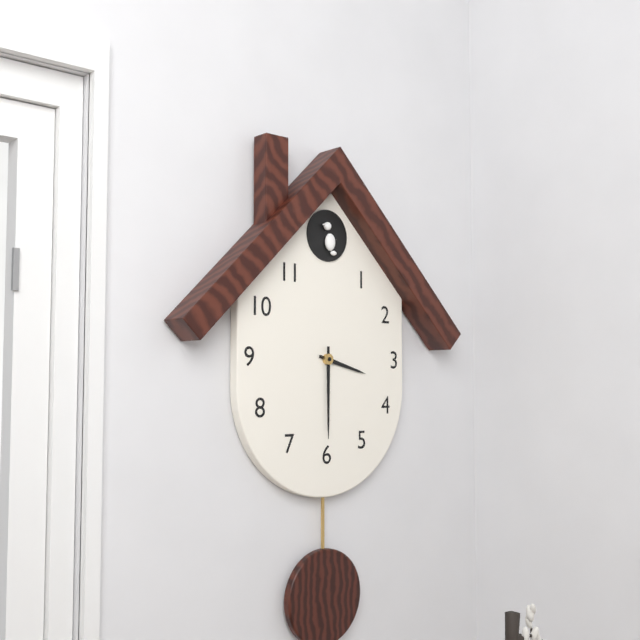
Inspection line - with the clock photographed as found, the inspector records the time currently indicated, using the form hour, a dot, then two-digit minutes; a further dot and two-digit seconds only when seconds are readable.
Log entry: 3.30
